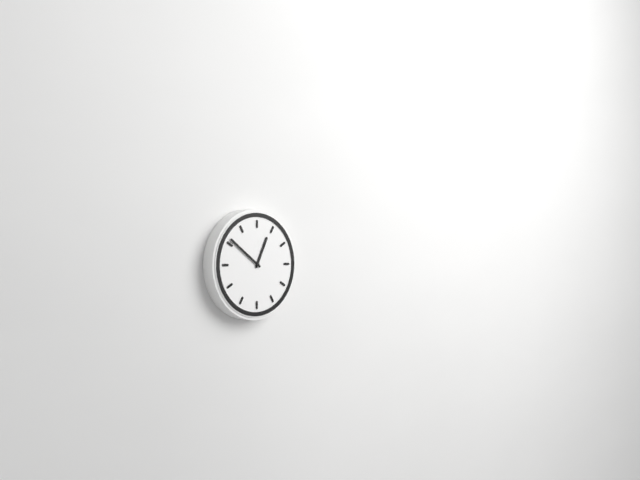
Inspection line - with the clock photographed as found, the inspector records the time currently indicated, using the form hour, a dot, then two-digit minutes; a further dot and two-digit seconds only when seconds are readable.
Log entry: 12.51
